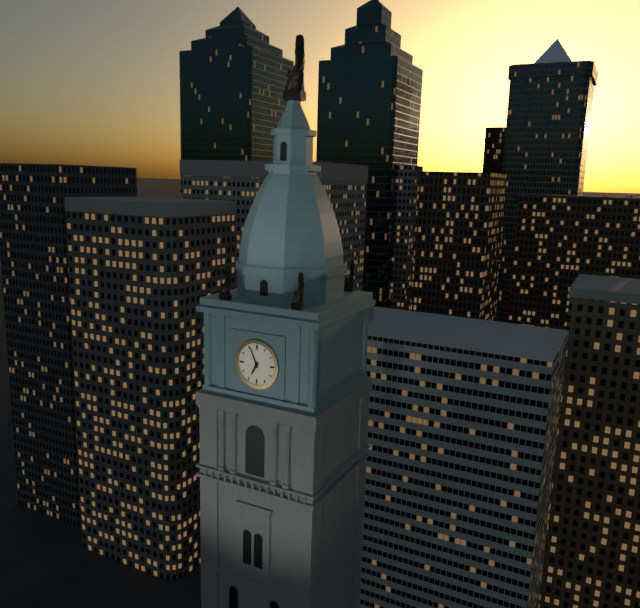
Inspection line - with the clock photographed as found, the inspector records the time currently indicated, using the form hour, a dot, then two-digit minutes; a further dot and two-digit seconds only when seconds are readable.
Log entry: 6.56
